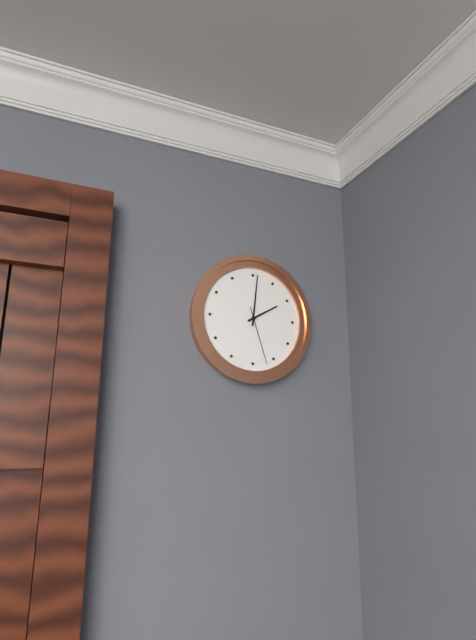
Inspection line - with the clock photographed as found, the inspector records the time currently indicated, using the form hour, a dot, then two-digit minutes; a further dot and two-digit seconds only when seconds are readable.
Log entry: 2.01.27
